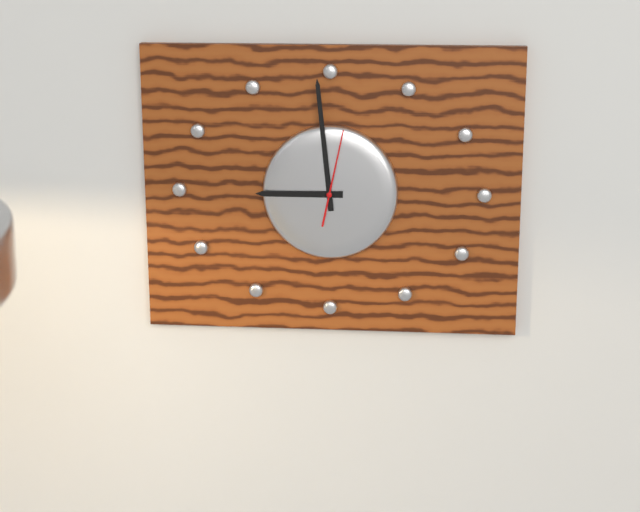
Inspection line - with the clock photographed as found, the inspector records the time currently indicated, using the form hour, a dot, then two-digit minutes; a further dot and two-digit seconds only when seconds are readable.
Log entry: 8.59.02
